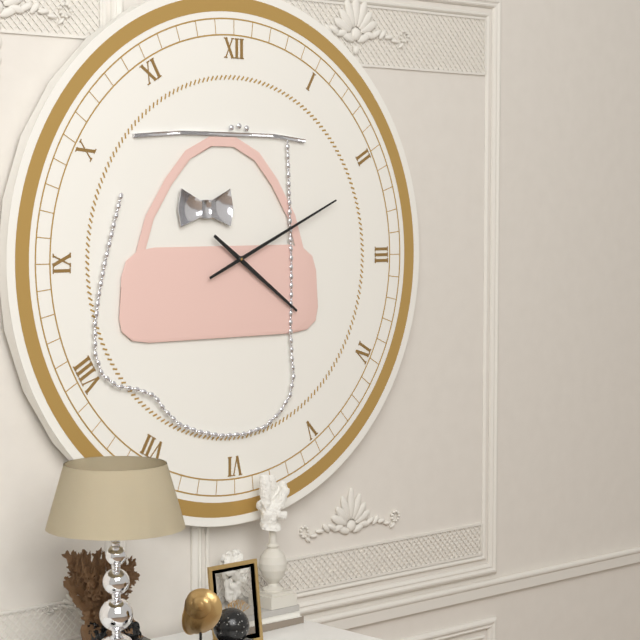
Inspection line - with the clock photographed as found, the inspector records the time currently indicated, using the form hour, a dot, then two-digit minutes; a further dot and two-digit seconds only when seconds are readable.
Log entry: 4.11
